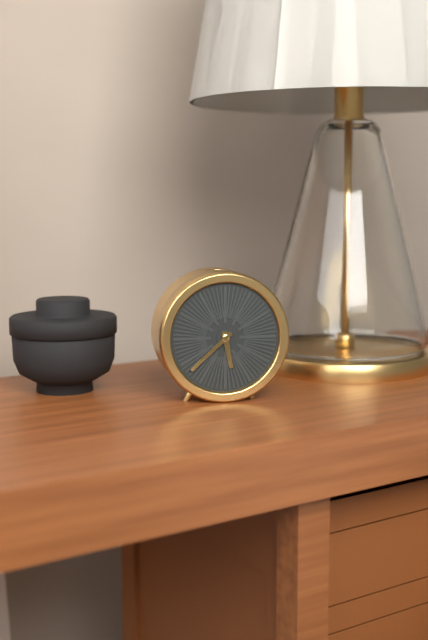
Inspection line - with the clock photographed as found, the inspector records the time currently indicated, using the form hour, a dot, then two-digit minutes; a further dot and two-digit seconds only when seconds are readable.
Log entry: 5.38
